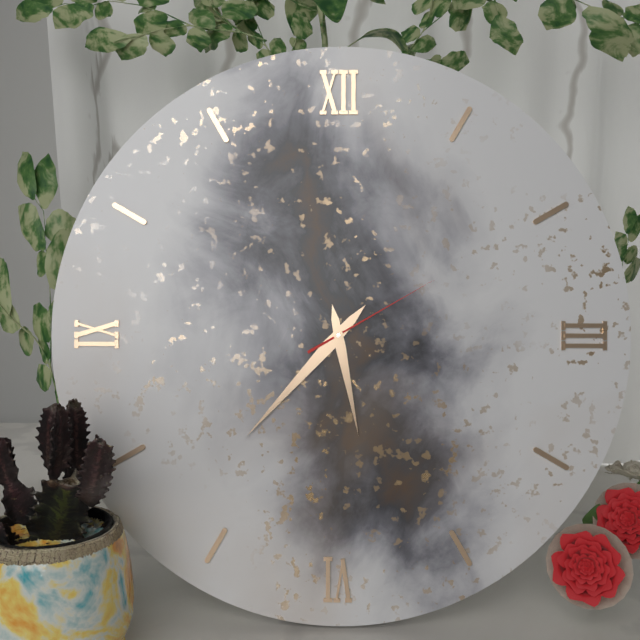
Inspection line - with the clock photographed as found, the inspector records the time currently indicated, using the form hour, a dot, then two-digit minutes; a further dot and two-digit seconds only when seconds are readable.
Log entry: 5.37.10
